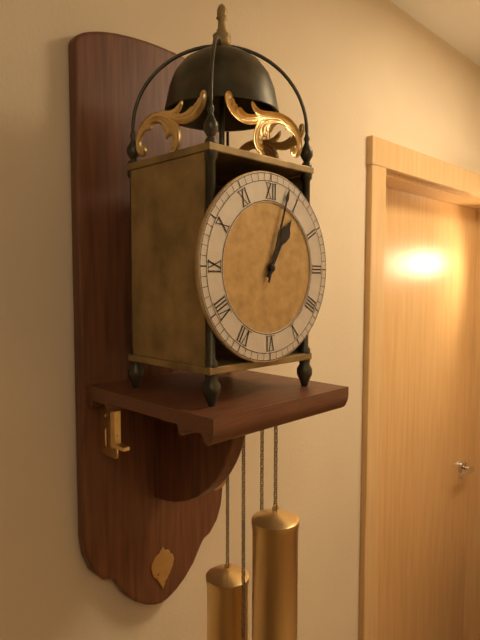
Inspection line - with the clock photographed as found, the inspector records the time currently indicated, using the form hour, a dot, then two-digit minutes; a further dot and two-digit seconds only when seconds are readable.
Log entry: 1.03
